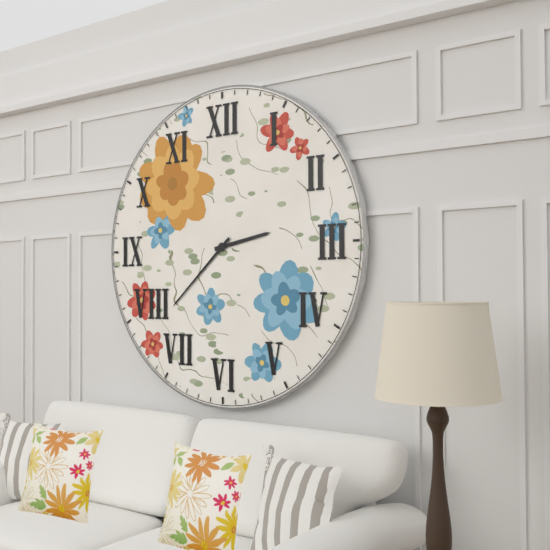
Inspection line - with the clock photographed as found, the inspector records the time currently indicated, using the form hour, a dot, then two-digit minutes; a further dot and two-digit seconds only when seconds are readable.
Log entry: 2.38
